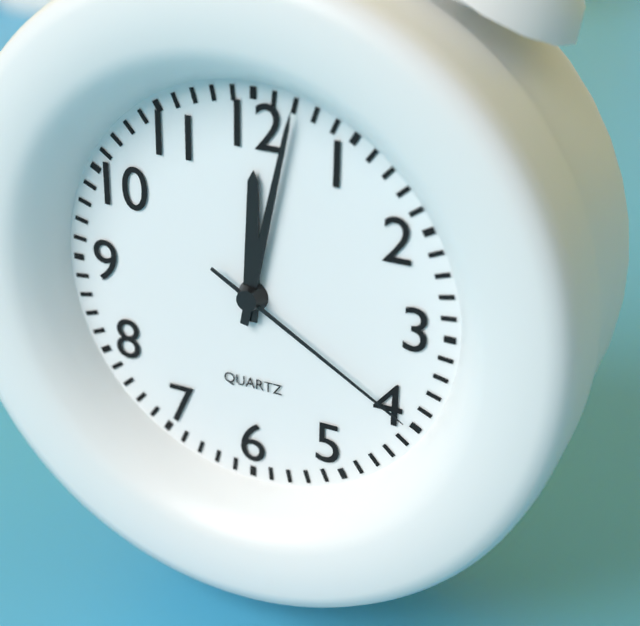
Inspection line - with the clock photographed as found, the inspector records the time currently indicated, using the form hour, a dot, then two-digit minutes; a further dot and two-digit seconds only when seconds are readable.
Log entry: 12.02.20
